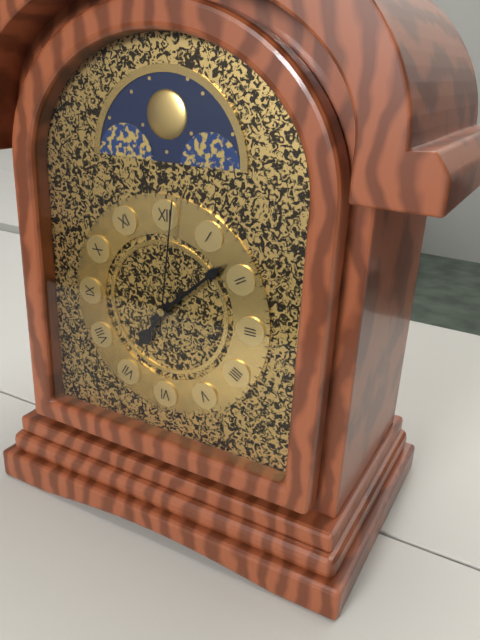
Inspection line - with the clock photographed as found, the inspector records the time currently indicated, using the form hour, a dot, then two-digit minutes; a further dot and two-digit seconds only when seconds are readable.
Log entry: 7.08.01
